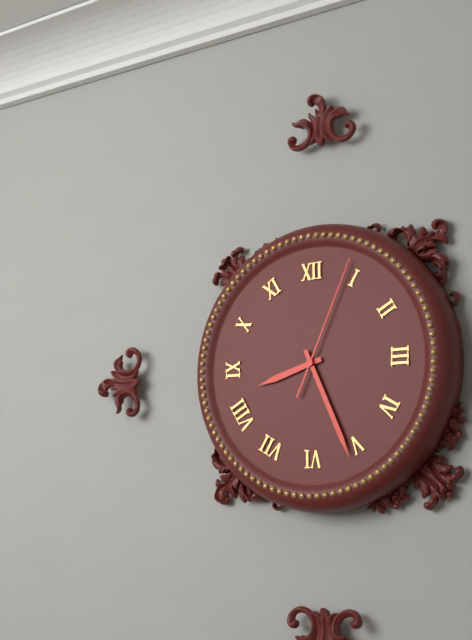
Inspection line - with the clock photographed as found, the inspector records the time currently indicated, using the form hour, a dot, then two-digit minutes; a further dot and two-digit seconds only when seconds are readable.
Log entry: 8.26.04
